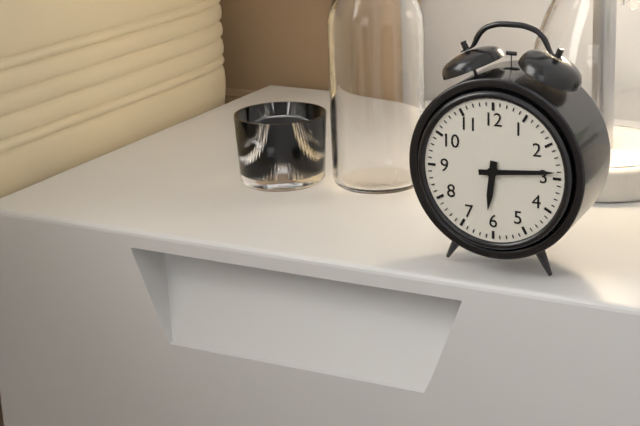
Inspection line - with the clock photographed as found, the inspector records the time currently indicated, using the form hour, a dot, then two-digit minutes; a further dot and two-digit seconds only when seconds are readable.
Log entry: 6.14
